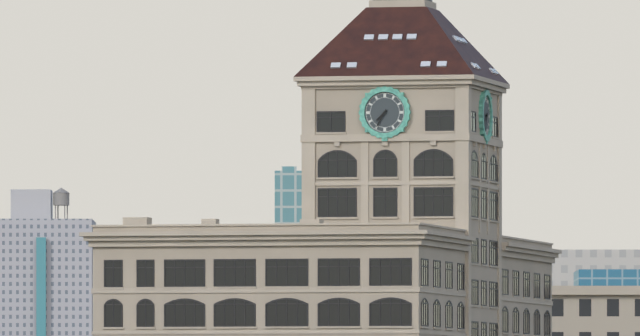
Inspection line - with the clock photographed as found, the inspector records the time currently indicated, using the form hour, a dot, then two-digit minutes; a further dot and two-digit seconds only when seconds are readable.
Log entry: 7.35
